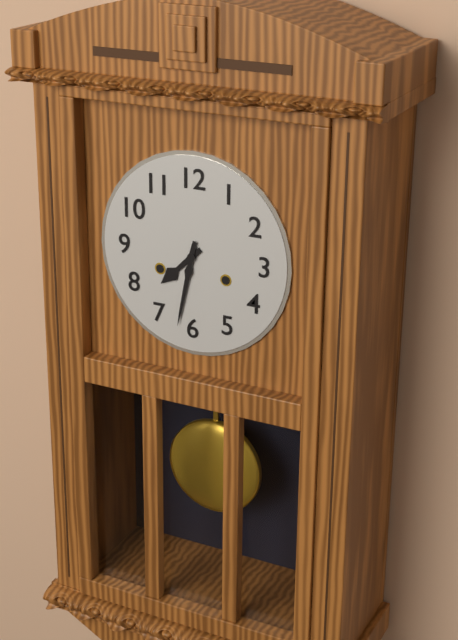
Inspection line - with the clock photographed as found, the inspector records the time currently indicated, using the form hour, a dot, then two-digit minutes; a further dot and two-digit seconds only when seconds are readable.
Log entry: 7.32
